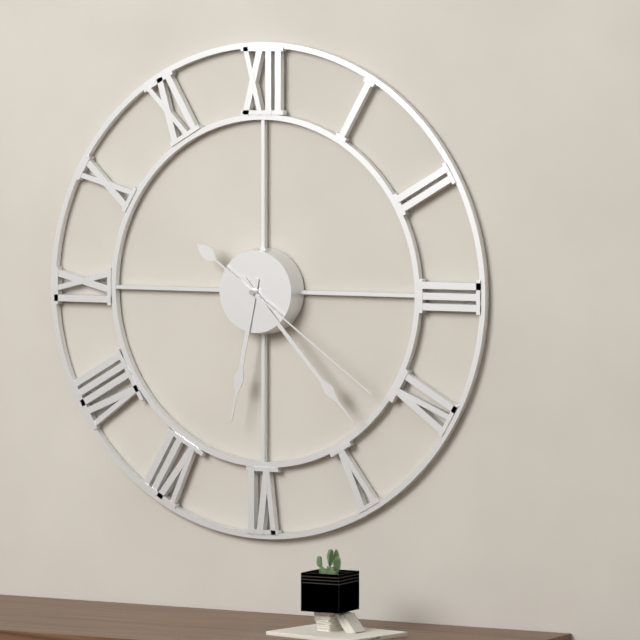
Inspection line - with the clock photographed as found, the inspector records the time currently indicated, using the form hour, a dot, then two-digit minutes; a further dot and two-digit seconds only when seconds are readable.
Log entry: 6.23.21
